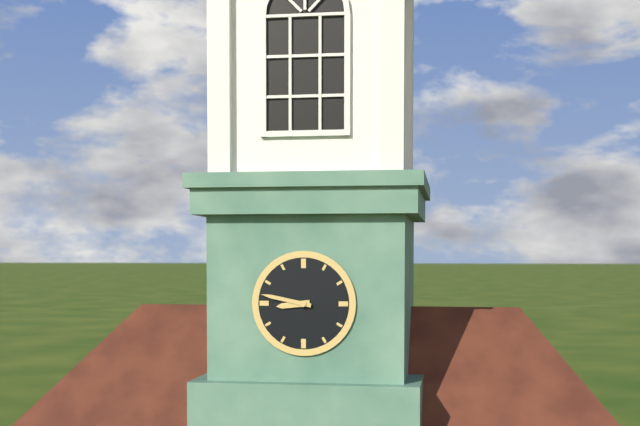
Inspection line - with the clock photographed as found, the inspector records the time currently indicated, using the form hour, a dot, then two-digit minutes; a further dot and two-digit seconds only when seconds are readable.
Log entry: 8.47
